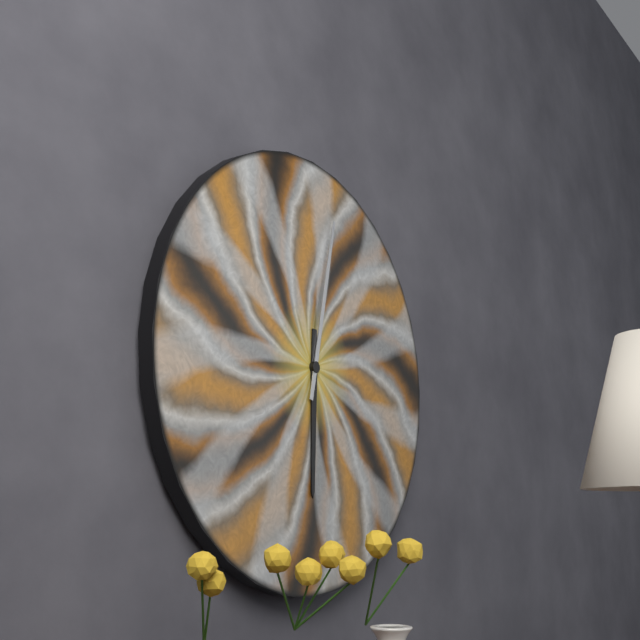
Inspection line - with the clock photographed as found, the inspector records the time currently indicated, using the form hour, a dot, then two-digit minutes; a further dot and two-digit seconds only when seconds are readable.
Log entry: 6.02
